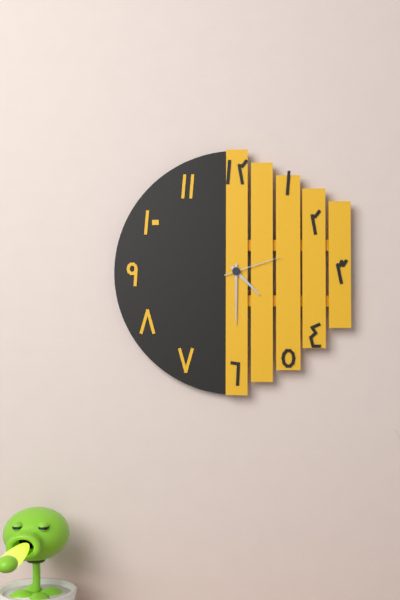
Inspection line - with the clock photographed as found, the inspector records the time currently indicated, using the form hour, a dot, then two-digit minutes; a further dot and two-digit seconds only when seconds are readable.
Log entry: 4.30.12
